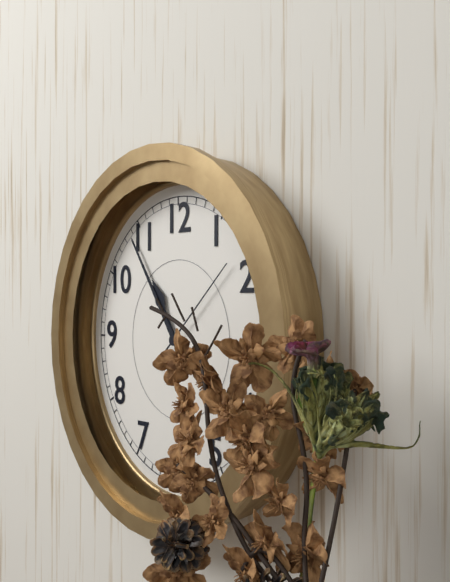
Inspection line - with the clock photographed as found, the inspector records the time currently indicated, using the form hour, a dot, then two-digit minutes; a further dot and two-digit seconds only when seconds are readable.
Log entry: 10.54.08
